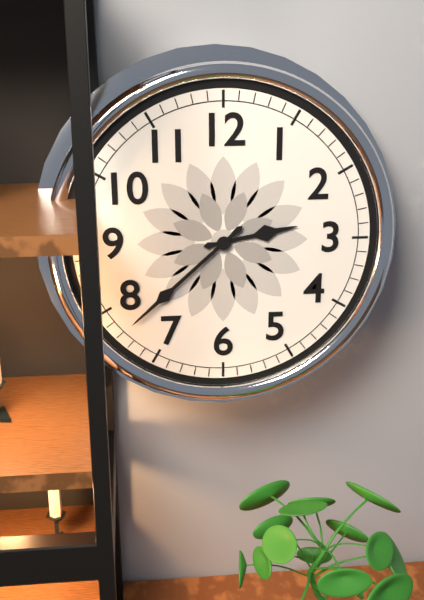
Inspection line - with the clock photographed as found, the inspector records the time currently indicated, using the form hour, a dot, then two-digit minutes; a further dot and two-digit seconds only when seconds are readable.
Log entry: 2.38
